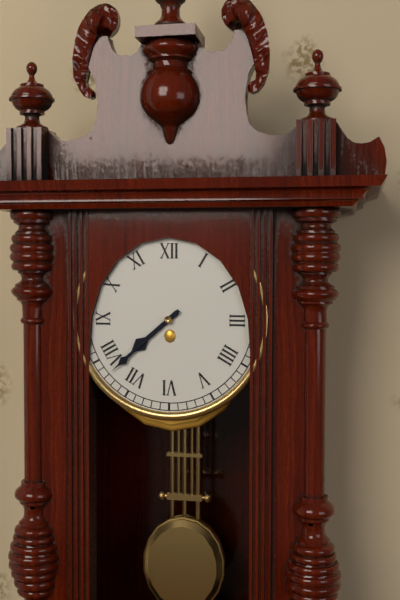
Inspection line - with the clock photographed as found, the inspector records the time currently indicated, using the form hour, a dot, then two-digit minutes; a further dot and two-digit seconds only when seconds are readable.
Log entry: 7.38
